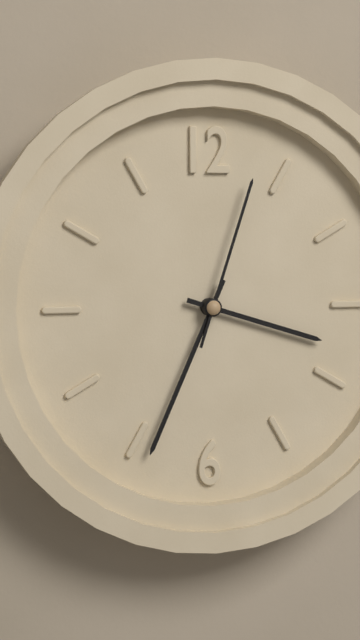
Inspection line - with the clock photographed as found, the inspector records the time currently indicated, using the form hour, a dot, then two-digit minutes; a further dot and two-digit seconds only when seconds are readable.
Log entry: 3.34.03
